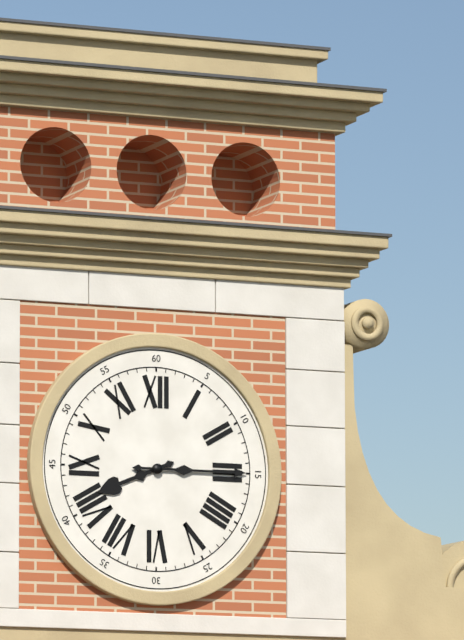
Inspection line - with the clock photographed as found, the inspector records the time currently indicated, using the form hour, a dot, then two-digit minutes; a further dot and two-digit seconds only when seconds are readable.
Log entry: 8.15
